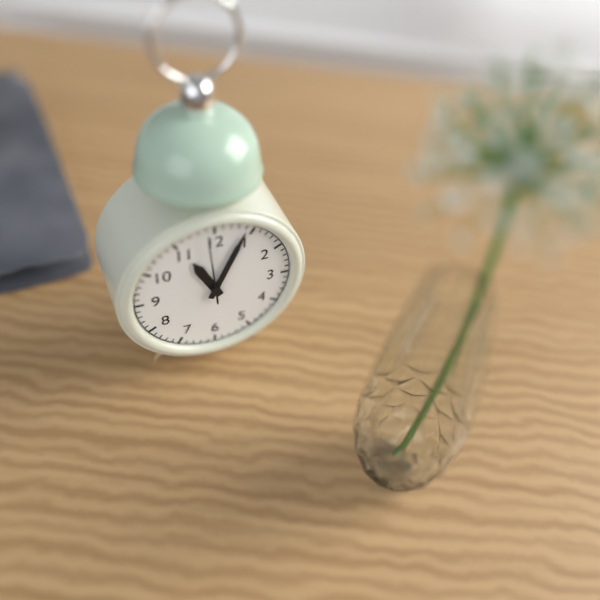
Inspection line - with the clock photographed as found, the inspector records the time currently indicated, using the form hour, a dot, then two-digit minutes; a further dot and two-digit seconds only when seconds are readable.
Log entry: 11.04.59
